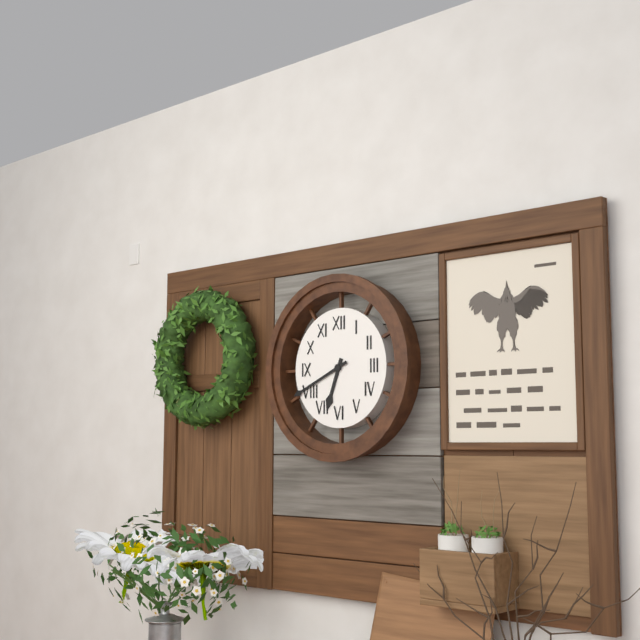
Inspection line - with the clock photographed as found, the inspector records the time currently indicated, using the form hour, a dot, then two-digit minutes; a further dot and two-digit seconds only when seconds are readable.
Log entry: 6.41
